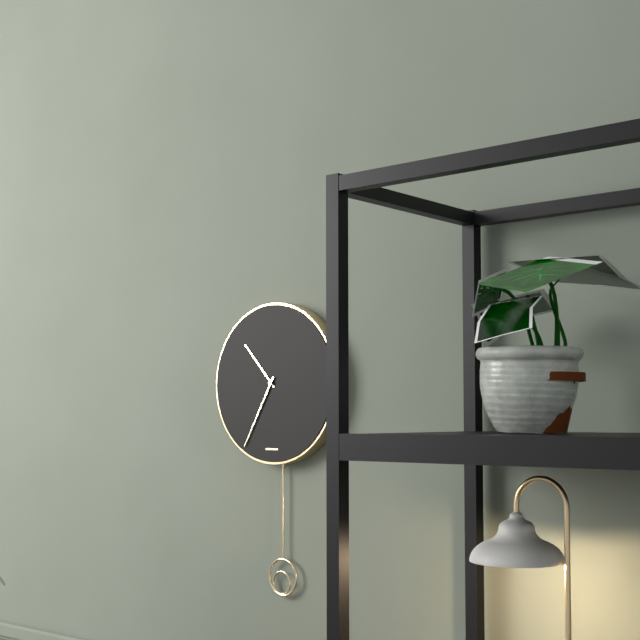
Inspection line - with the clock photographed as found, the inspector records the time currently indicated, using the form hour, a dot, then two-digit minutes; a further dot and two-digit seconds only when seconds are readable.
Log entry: 10.35
